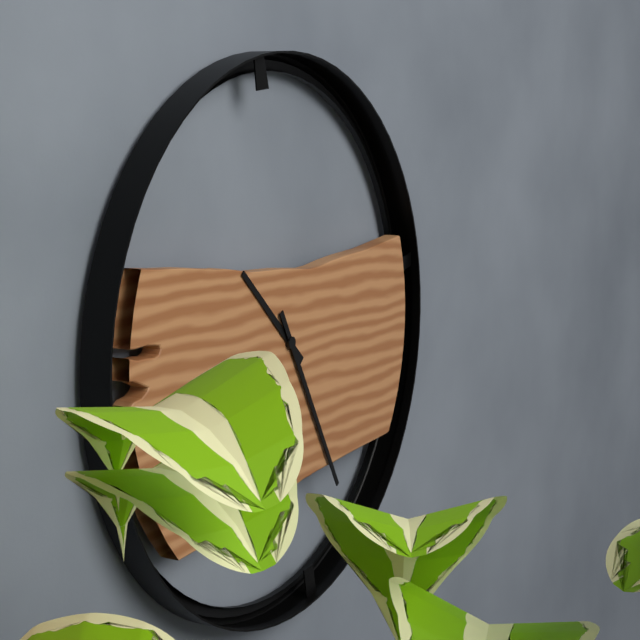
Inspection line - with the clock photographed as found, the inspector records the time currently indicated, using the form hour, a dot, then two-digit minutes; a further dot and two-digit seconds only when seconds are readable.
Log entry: 10.25
